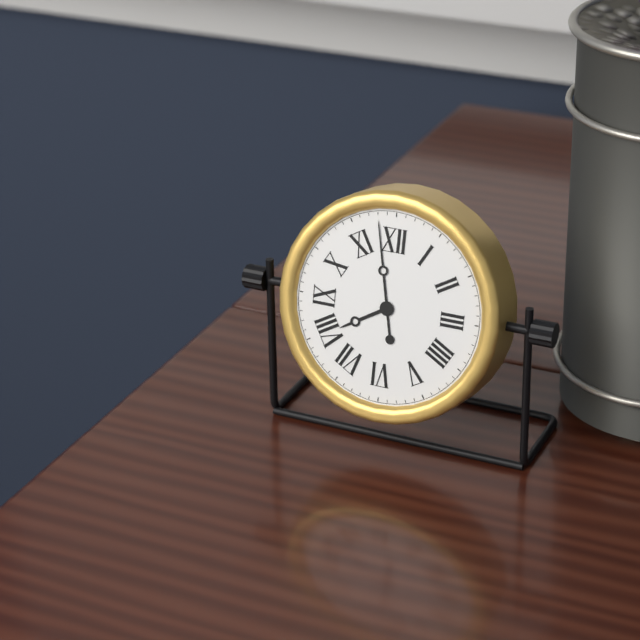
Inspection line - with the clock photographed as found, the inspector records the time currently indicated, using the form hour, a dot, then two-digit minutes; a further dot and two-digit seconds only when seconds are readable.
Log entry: 7.58
